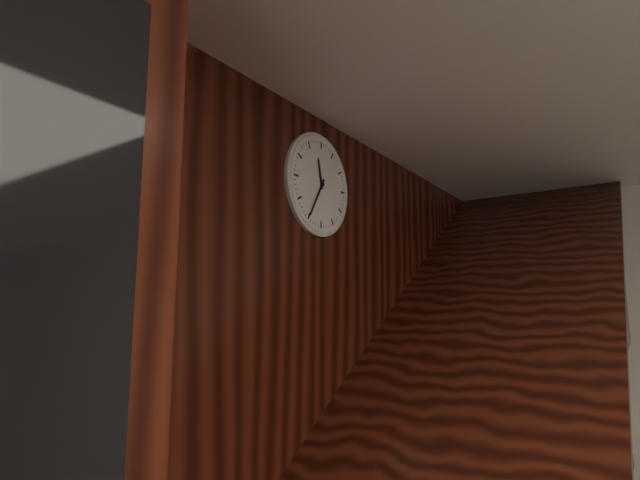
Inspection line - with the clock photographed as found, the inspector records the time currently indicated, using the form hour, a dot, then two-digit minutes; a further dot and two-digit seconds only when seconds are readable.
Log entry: 11.35
